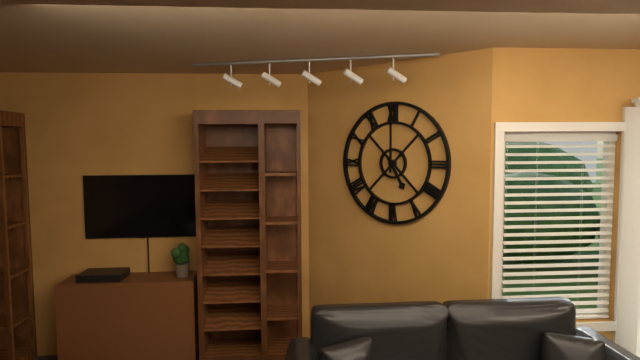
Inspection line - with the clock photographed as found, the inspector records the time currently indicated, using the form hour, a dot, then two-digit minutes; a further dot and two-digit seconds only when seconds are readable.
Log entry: 5.00
